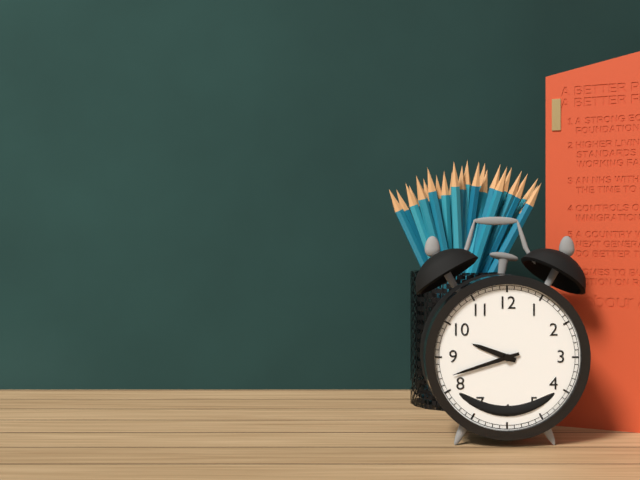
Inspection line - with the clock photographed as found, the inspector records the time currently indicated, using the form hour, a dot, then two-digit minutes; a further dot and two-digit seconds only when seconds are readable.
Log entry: 9.42
